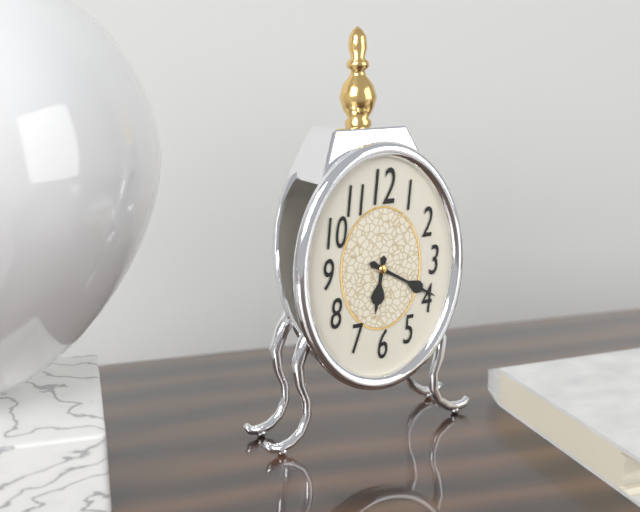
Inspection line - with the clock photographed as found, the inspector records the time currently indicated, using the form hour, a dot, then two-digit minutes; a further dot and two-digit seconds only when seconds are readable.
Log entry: 6.20
